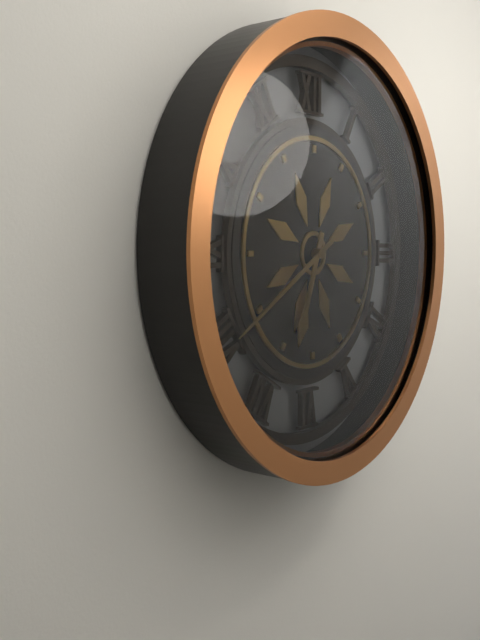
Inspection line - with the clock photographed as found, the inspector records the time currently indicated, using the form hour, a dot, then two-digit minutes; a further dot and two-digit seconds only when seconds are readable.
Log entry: 6.40
